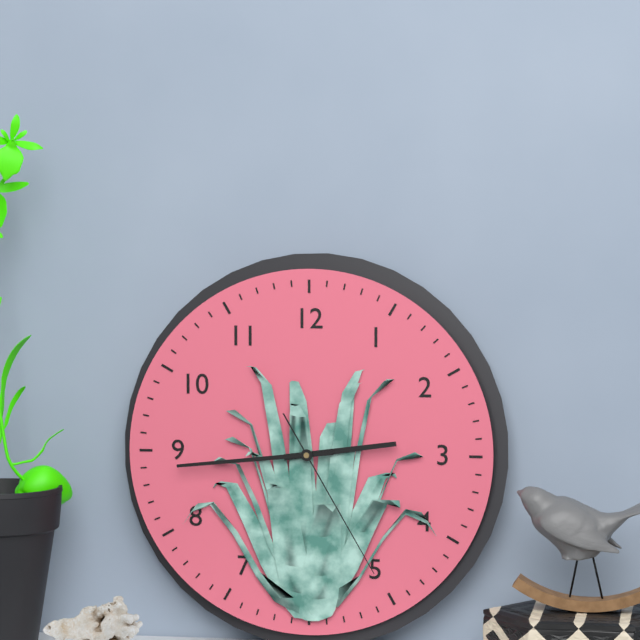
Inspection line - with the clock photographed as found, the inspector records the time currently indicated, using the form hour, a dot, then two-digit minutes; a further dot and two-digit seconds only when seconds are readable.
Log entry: 2.44.25
